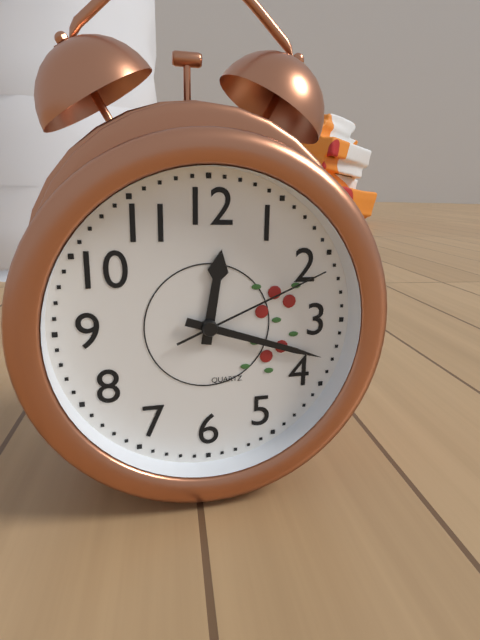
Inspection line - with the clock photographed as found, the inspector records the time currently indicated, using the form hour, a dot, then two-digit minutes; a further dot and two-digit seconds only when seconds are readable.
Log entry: 12.18.11
